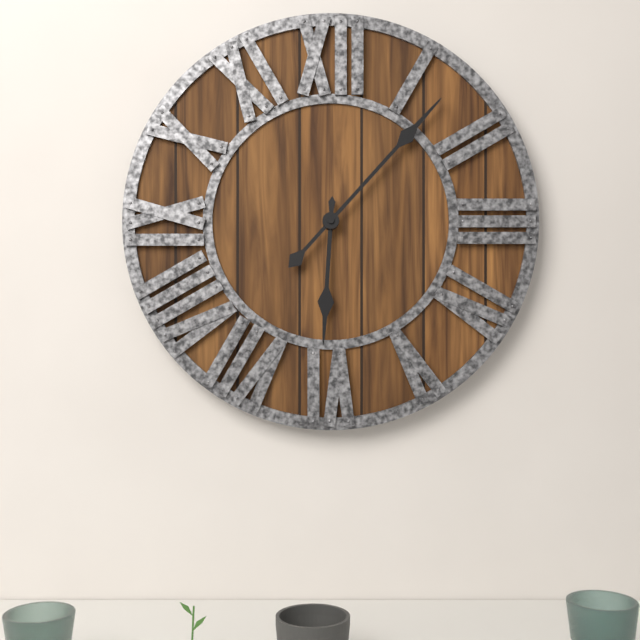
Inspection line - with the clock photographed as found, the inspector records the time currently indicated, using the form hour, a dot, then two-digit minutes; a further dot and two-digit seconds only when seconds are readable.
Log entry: 6.07
